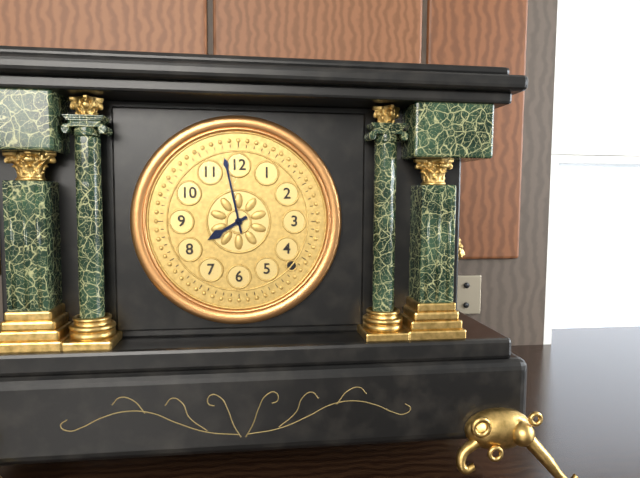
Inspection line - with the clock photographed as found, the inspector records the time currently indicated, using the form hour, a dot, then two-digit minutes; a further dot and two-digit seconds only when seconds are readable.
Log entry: 7.58
